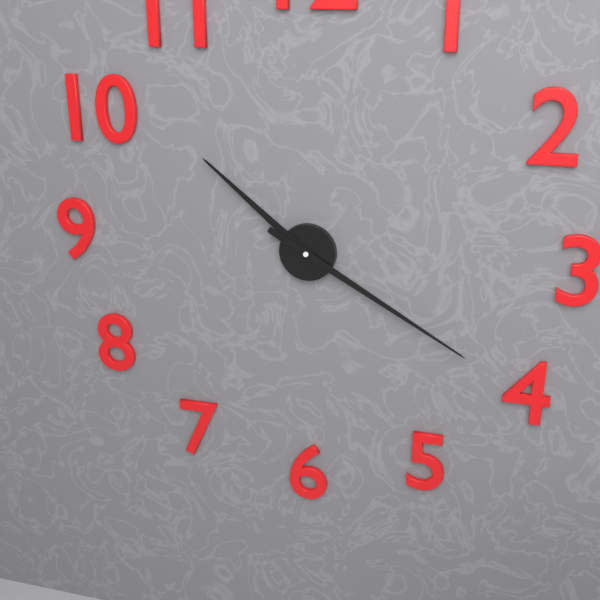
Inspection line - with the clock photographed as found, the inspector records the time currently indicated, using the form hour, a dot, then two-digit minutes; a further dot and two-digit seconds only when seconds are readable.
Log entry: 10.20
